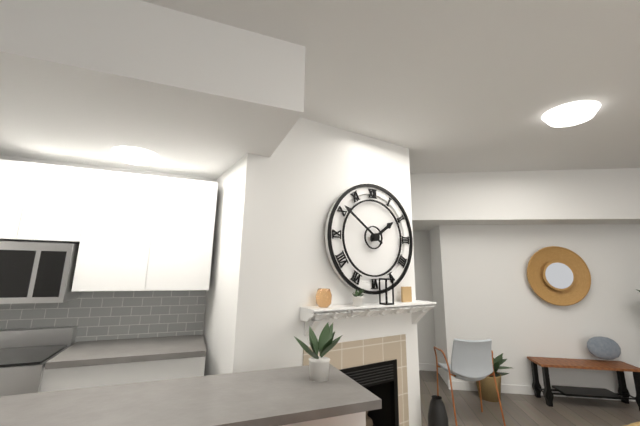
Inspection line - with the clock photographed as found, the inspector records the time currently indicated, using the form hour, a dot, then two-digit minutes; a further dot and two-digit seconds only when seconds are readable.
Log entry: 1.51
